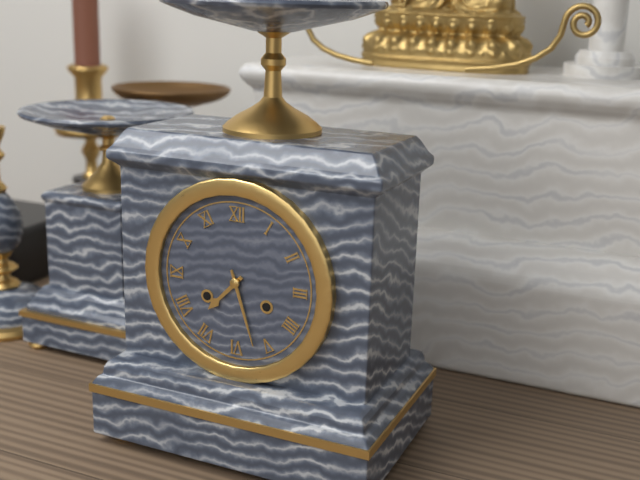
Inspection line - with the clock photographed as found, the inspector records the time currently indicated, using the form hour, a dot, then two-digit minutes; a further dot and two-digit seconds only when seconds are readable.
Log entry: 7.27
